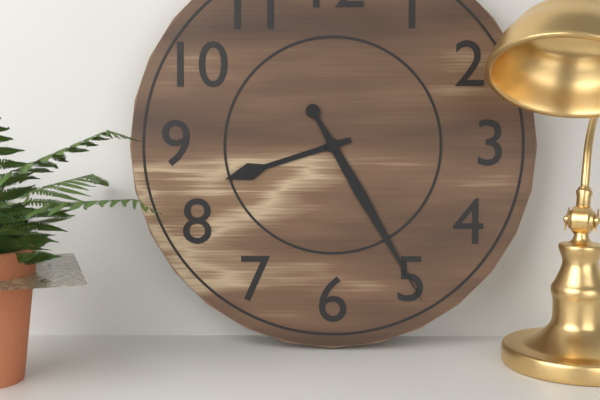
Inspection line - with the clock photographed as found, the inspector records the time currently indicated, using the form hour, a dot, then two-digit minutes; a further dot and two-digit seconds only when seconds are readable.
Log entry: 8.25
